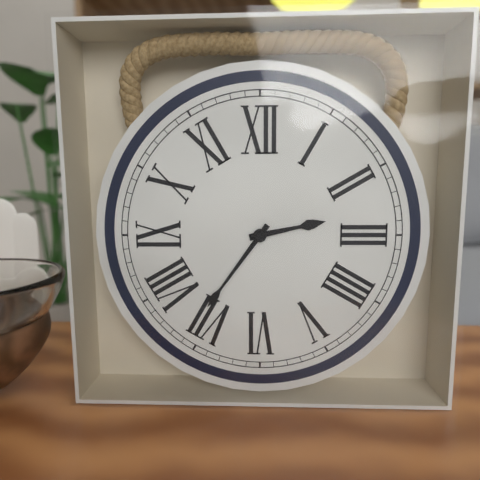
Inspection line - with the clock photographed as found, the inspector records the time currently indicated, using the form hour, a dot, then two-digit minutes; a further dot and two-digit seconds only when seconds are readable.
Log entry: 2.36
